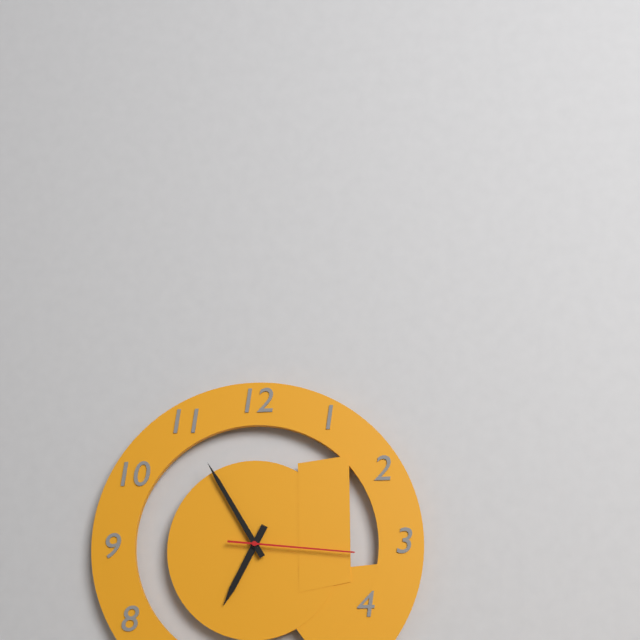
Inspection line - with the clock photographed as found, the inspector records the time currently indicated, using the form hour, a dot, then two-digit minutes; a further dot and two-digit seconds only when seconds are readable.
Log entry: 6.55.16
